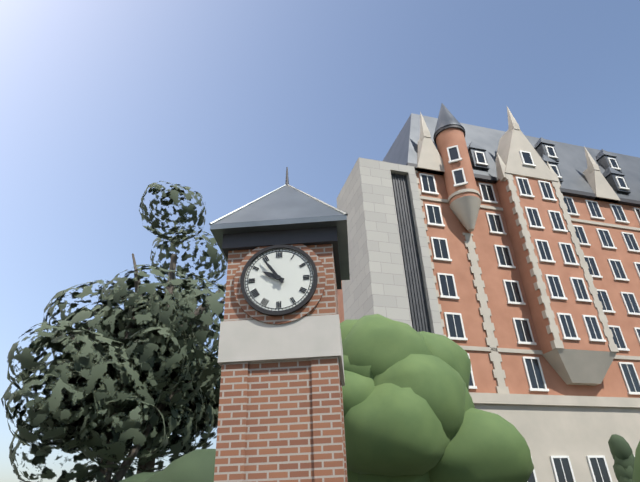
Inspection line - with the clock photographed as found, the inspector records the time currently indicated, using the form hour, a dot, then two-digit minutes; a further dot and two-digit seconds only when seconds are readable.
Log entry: 9.54
